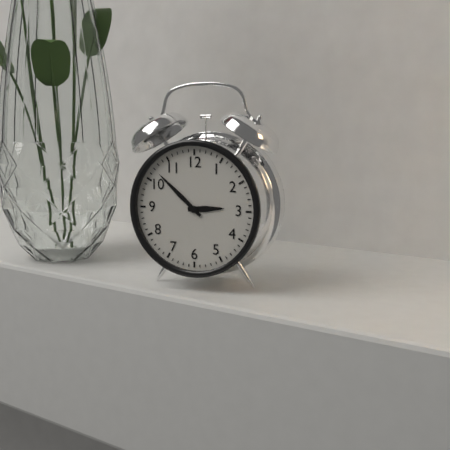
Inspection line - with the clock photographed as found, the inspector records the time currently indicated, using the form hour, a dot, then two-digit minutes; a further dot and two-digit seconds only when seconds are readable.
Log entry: 2.52
